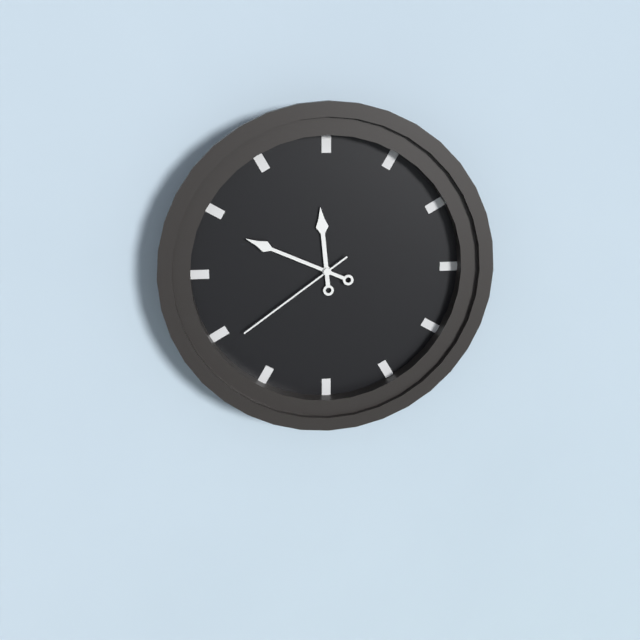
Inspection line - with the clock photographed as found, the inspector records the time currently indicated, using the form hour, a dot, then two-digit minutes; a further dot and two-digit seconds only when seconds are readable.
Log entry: 11.49.39
